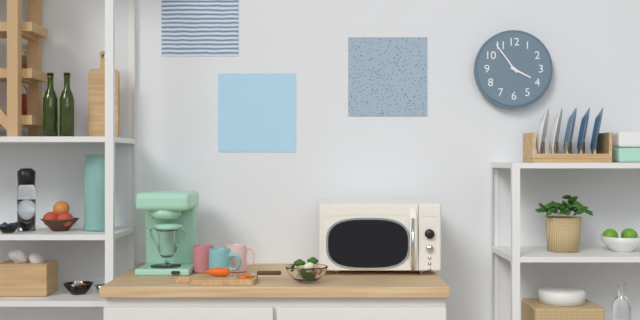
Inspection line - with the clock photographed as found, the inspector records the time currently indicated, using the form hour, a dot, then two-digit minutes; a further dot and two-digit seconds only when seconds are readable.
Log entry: 3.54
